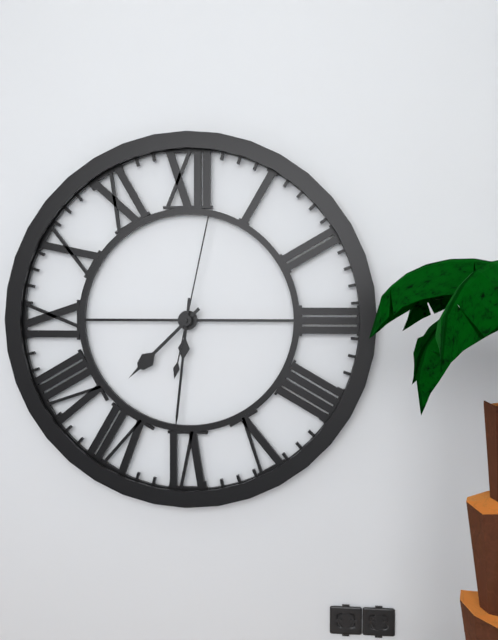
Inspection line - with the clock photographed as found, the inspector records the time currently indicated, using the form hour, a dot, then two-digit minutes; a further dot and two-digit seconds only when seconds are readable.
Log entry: 7.31.02
